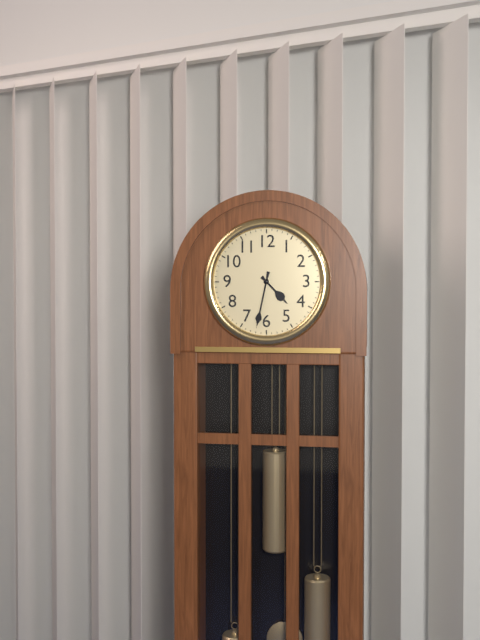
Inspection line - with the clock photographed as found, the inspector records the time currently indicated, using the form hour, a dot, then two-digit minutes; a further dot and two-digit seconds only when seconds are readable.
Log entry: 4.32
